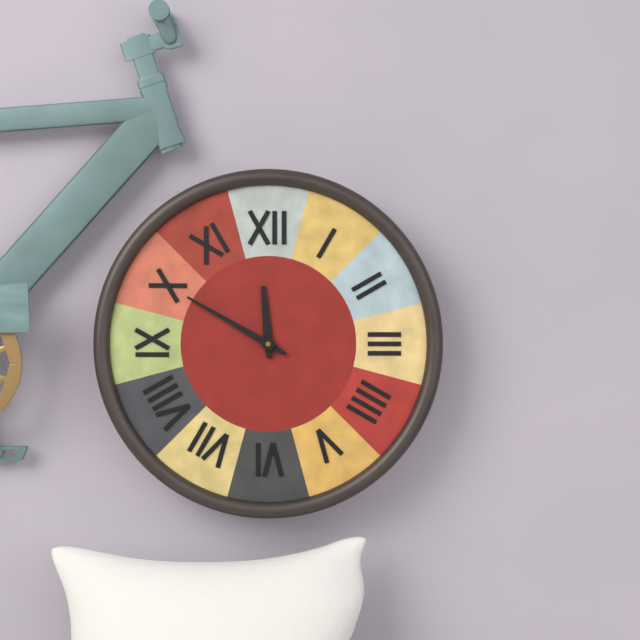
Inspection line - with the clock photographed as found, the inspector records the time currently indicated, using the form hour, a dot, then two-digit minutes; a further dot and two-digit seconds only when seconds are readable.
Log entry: 11.50
